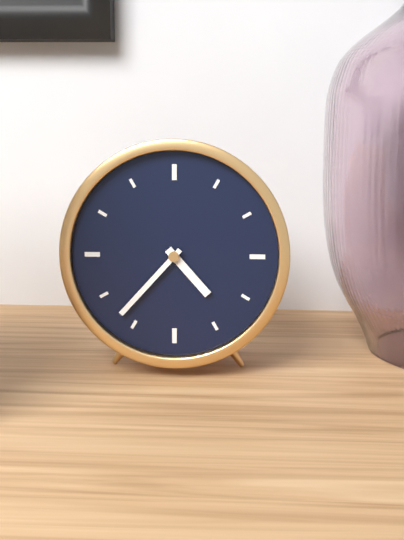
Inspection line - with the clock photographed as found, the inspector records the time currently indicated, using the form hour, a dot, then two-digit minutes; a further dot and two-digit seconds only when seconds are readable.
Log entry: 4.37
